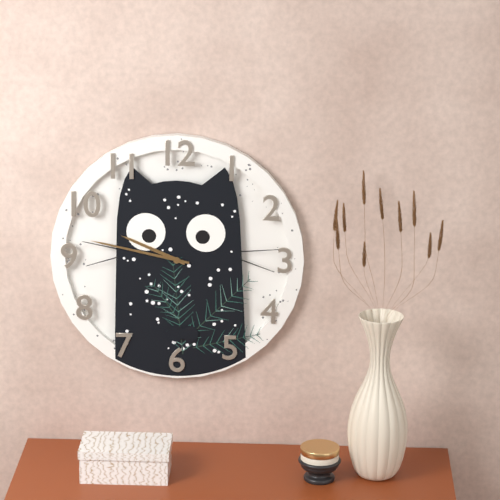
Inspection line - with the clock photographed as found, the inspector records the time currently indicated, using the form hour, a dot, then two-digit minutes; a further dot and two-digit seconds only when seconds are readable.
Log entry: 9.47
